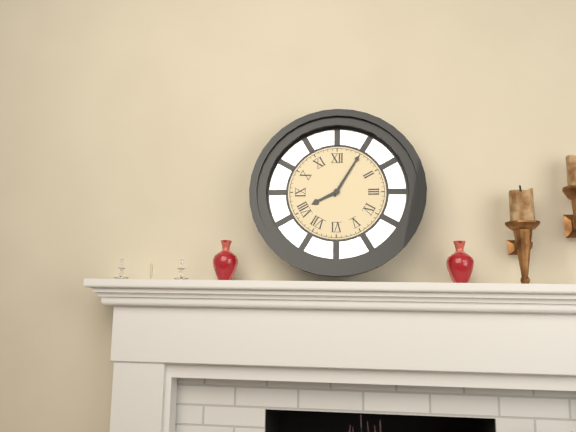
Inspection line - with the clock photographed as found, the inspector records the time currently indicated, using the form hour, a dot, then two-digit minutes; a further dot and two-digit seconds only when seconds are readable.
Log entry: 8.05
